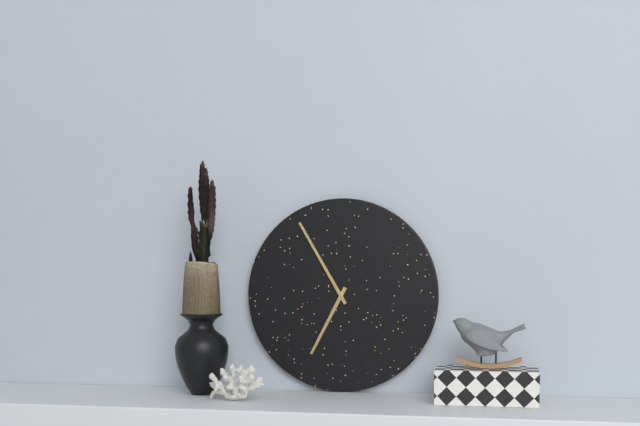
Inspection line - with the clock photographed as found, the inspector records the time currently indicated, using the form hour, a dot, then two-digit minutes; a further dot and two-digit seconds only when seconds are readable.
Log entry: 6.55
